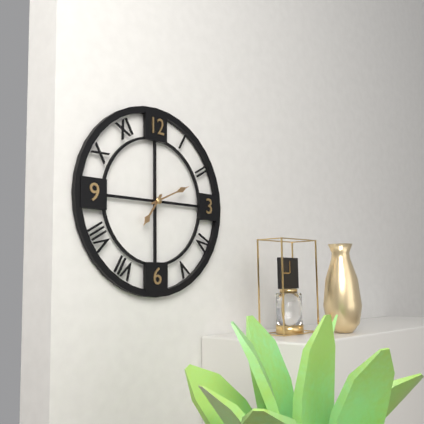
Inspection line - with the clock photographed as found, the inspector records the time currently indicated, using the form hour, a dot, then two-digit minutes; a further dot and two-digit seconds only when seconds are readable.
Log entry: 7.11
